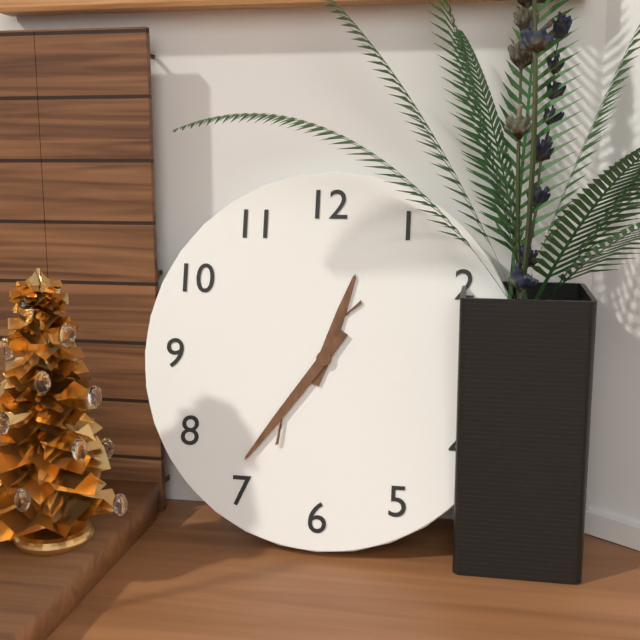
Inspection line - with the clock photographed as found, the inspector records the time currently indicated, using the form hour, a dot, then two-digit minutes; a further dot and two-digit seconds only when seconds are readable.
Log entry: 12.36
